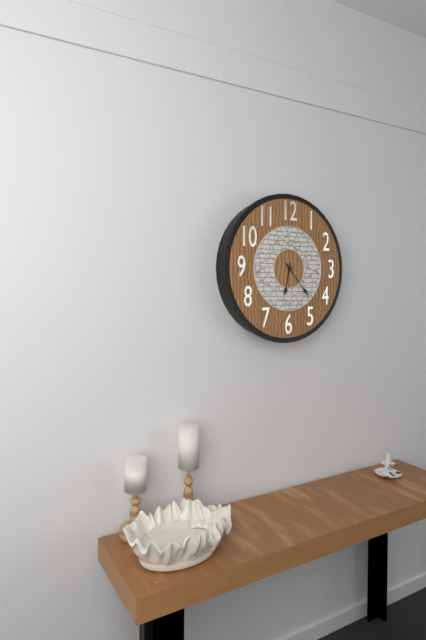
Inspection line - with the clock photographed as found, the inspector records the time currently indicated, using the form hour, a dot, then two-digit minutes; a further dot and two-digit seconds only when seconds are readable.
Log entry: 6.23
